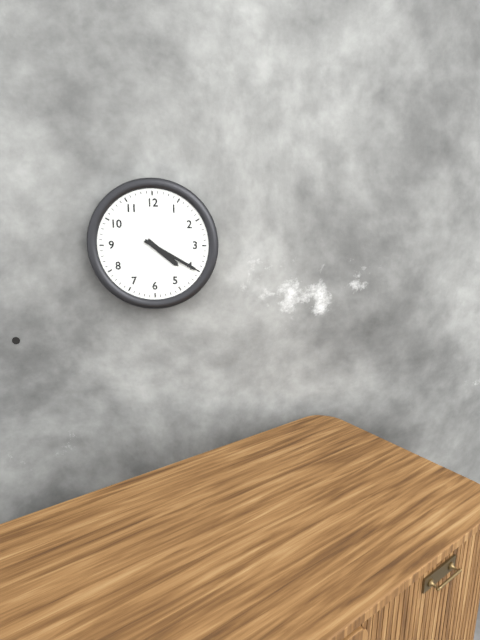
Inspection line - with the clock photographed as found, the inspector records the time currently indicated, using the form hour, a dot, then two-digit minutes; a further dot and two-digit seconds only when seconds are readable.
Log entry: 4.20
